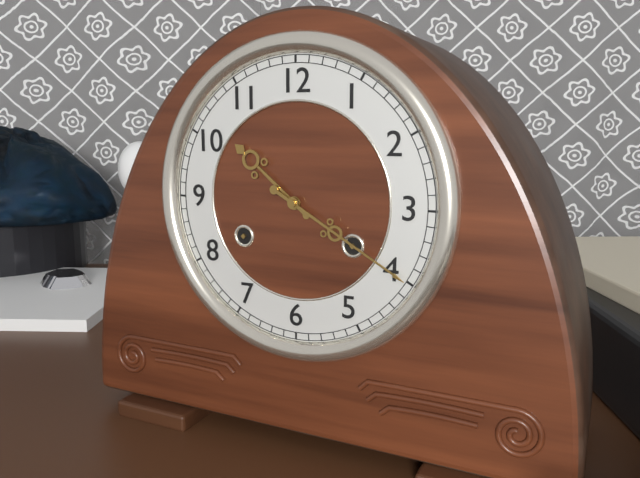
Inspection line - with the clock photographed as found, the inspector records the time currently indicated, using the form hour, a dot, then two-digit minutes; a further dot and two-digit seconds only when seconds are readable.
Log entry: 10.20
